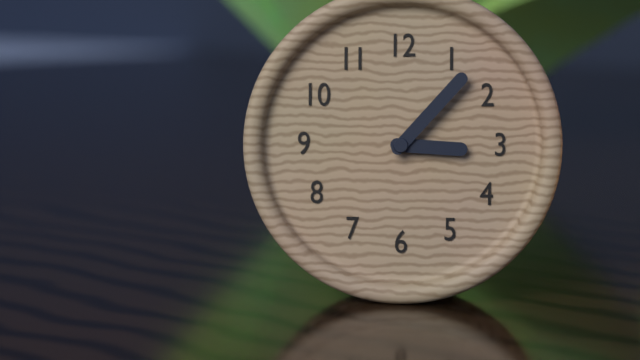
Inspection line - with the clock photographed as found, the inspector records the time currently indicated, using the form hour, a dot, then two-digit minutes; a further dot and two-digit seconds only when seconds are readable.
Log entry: 3.07
